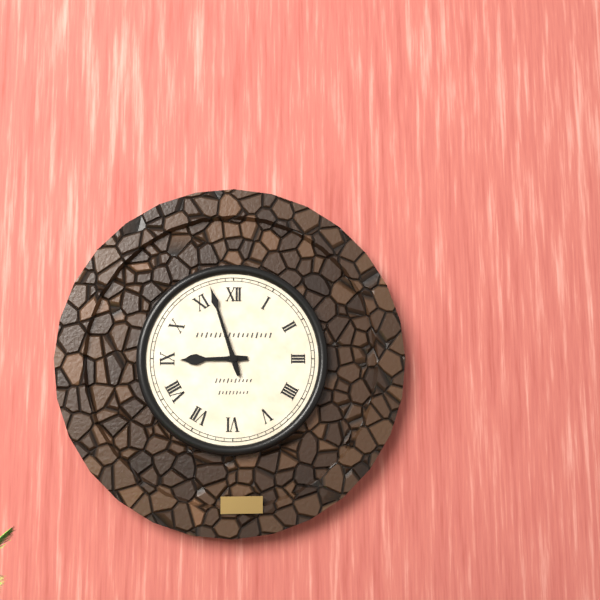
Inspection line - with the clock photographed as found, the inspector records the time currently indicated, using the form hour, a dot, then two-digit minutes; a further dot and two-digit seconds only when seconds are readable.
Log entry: 8.57
